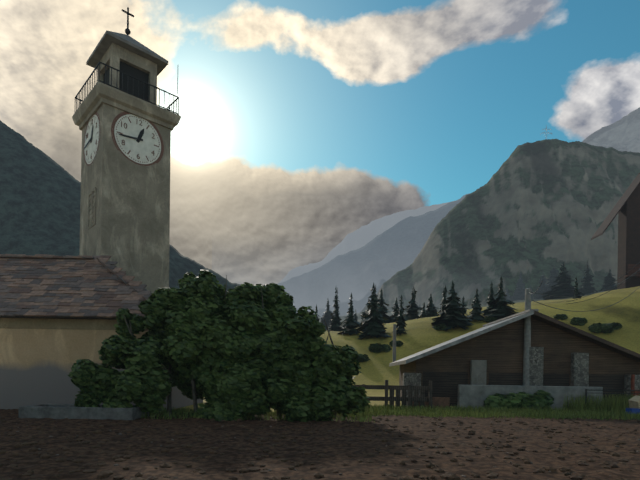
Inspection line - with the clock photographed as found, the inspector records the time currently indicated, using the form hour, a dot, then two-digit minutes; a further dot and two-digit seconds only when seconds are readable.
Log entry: 12.44
